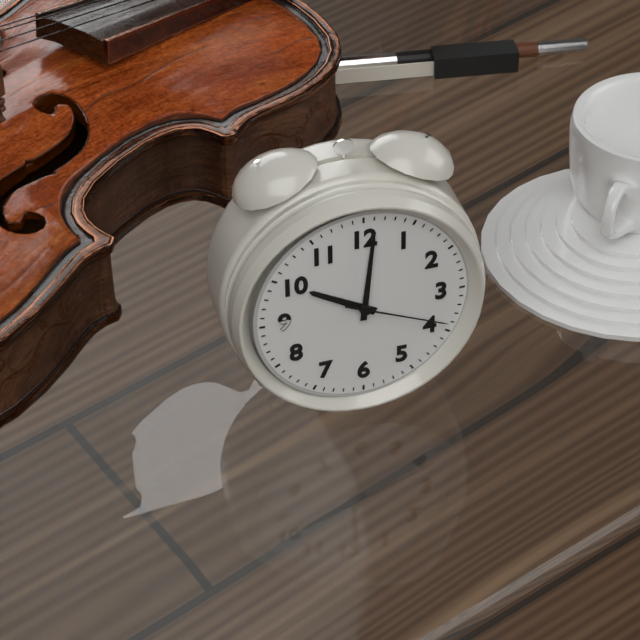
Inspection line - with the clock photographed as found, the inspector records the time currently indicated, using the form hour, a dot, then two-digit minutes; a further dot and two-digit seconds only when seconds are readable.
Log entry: 10.01.19
